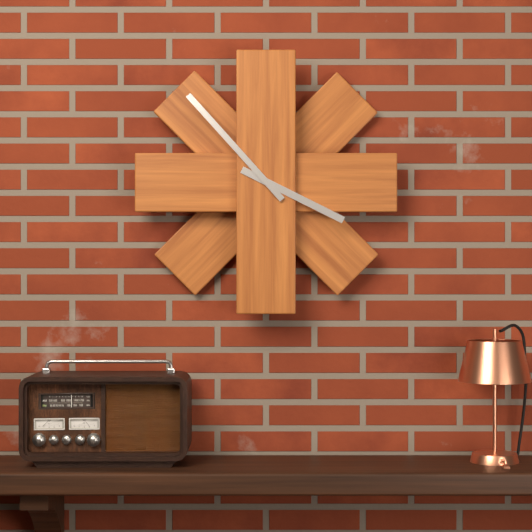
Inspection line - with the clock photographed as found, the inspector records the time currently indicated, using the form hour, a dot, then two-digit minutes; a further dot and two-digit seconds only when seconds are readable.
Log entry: 3.53
